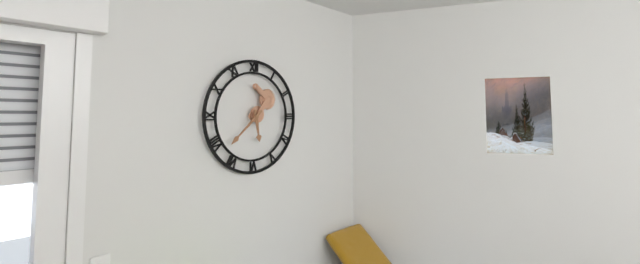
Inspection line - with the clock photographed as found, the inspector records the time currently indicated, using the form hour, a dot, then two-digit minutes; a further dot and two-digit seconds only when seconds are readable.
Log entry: 5.38
